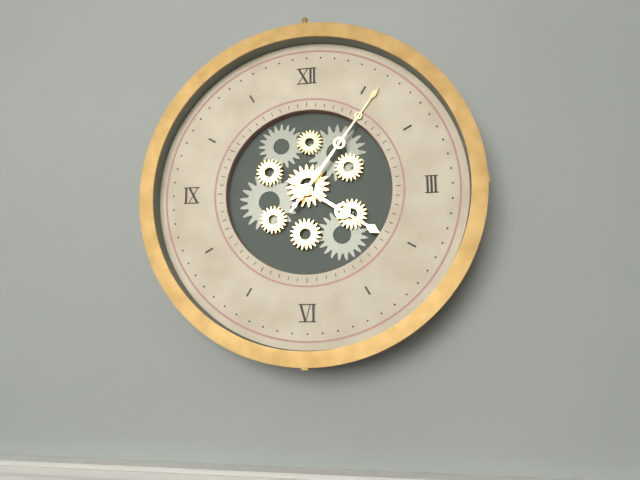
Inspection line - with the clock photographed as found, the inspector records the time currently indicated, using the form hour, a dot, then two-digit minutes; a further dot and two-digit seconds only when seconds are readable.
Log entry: 4.06
